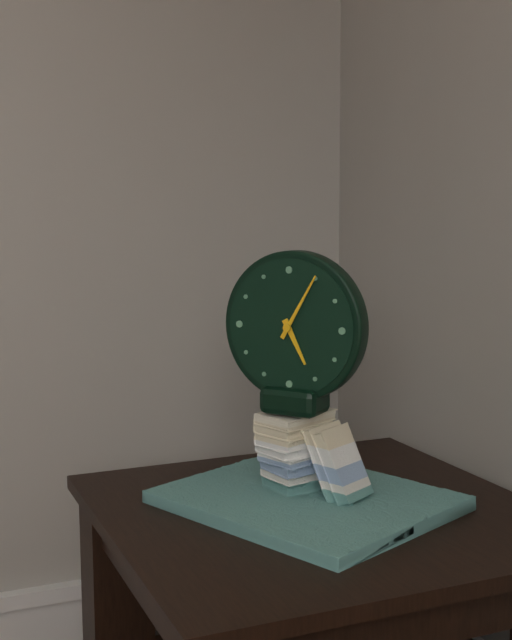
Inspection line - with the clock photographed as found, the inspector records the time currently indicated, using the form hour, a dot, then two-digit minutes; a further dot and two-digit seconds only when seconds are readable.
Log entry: 5.05
